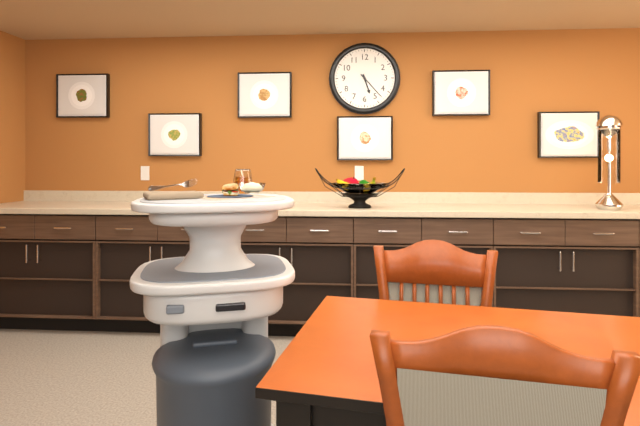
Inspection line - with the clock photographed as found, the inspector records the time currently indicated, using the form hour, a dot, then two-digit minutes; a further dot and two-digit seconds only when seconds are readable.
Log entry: 5.23
